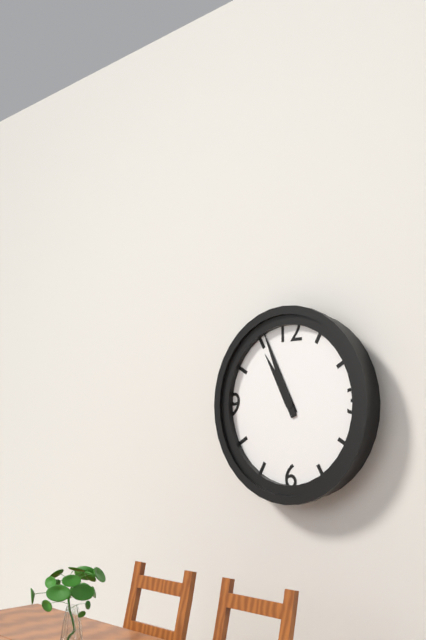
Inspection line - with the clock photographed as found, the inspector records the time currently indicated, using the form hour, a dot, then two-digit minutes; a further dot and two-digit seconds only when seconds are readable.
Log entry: 10.56
